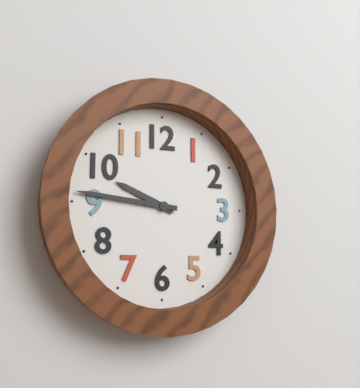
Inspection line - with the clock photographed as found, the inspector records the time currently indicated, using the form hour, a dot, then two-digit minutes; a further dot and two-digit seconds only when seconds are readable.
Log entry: 9.46
